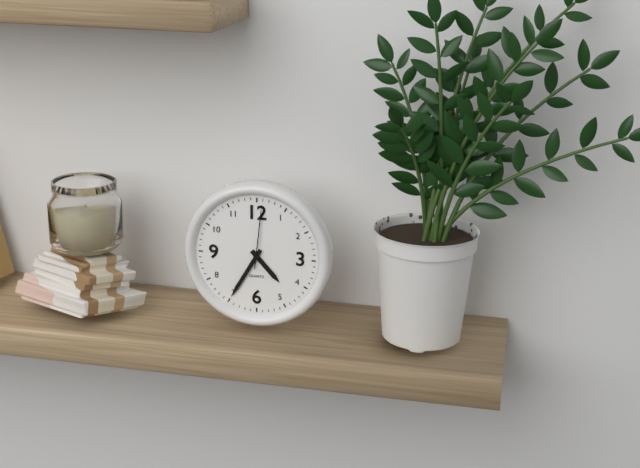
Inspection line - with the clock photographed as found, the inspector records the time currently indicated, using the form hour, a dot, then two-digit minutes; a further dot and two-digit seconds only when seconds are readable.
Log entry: 4.35.01
